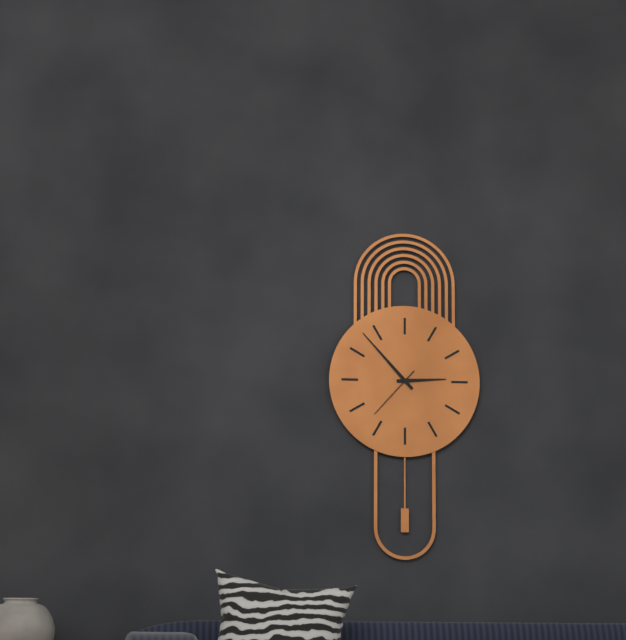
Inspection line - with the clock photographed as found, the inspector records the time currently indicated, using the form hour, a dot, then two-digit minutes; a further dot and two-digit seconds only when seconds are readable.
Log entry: 2.53.37
